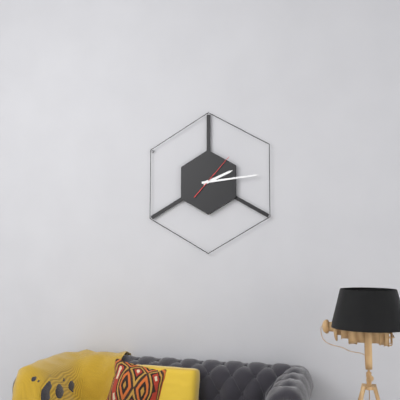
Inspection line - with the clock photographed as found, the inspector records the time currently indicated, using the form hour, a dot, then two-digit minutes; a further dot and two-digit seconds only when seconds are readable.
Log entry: 2.14
